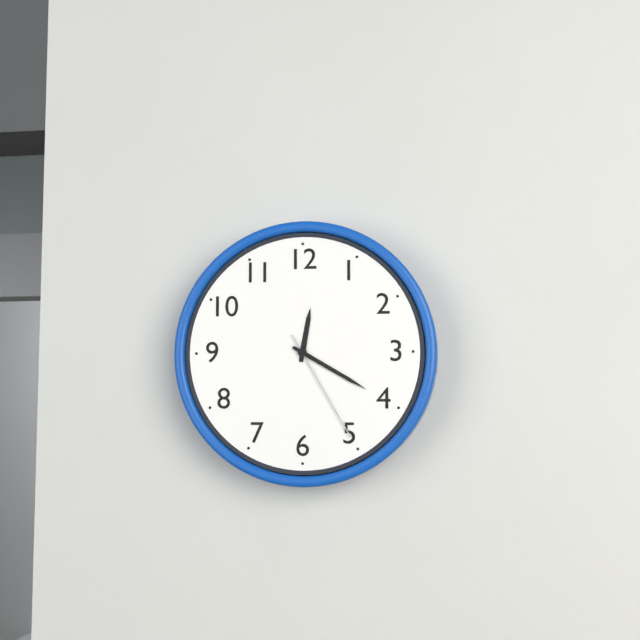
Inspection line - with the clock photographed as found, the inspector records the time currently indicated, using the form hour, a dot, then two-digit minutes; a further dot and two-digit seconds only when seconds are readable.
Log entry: 12.20.25
